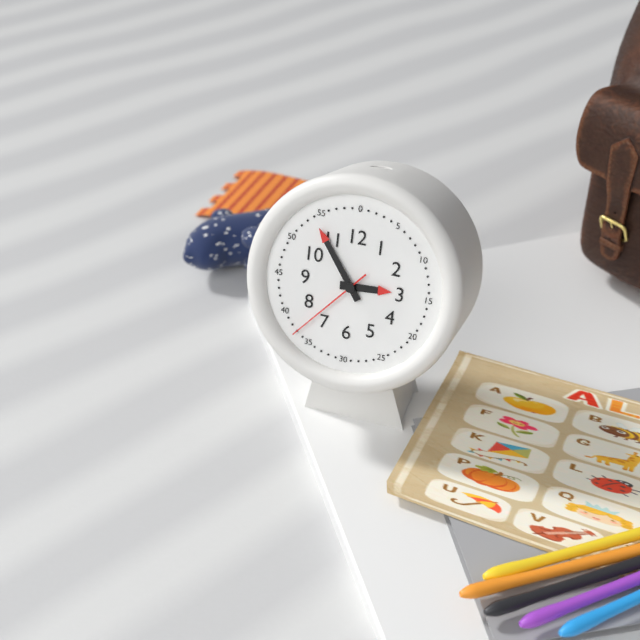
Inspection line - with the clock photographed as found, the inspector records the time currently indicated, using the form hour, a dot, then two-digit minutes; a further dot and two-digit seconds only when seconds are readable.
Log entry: 2.54.37
